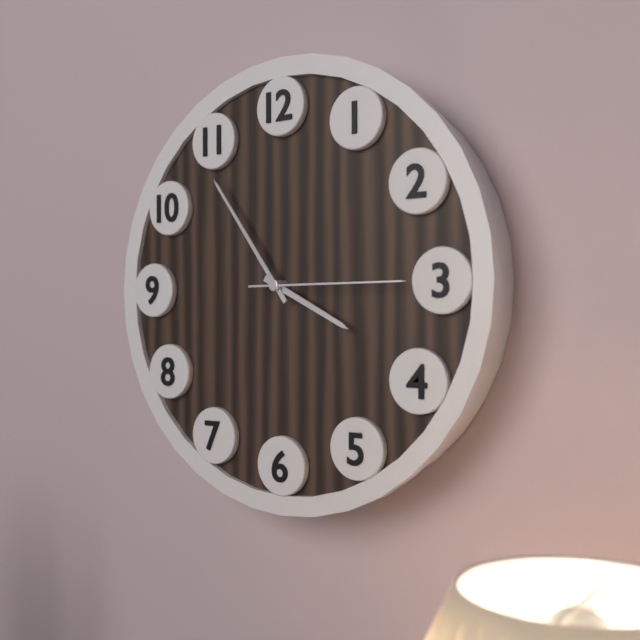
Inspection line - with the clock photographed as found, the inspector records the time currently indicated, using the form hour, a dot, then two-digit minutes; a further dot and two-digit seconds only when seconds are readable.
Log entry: 3.54.15
